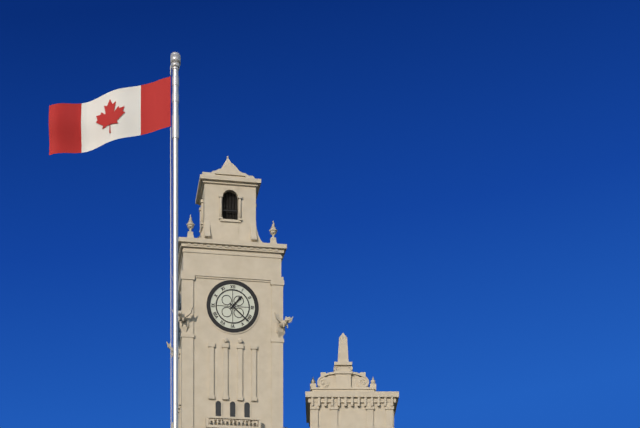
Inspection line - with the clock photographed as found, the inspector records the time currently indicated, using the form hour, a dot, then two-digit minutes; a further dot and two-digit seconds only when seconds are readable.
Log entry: 1.22
